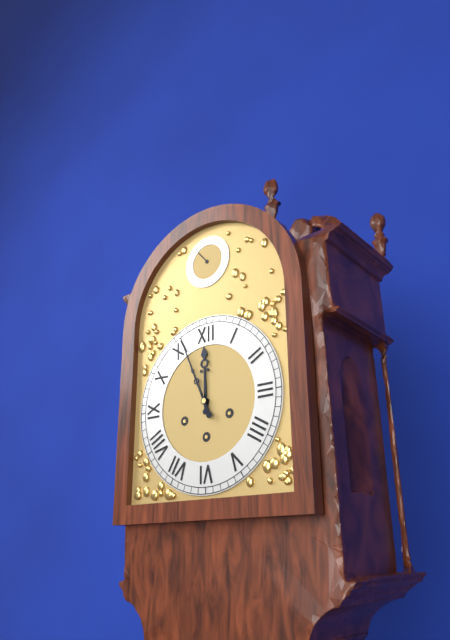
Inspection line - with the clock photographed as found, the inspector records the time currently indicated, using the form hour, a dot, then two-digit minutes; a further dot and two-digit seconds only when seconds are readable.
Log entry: 11.56
